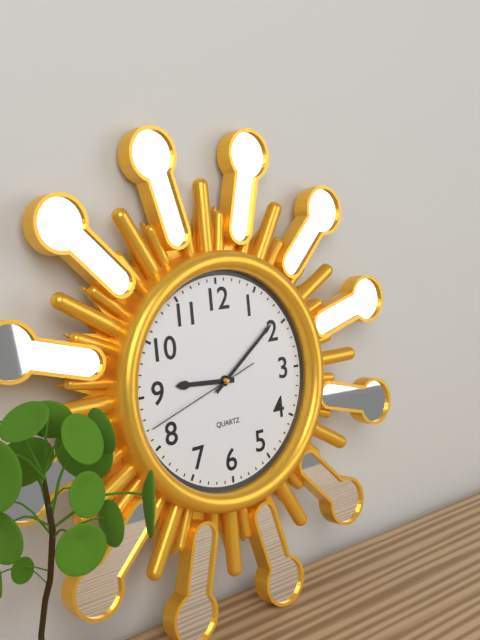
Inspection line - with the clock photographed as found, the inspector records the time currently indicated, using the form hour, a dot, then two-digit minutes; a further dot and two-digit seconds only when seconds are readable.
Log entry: 9.09.42
